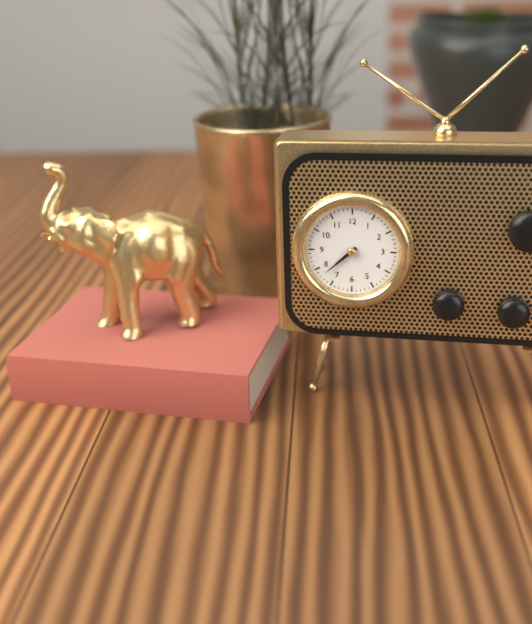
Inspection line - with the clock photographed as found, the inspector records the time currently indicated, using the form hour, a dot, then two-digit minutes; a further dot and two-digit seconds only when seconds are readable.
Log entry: 7.38
